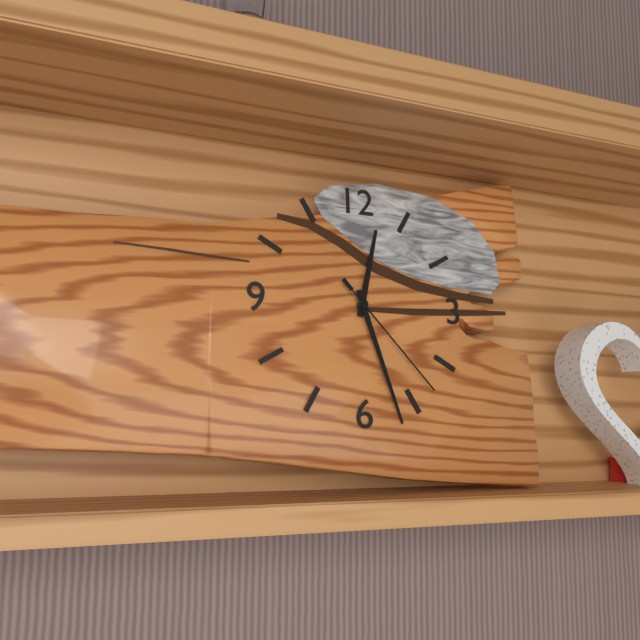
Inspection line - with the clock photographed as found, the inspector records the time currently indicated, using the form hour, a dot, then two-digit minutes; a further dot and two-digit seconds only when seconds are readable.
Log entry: 12.27.23
